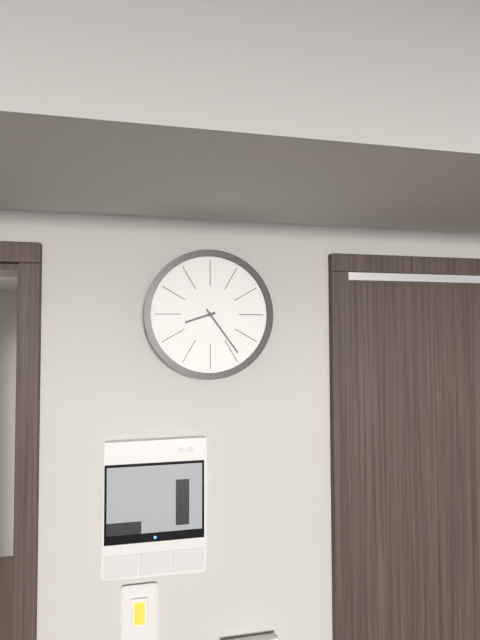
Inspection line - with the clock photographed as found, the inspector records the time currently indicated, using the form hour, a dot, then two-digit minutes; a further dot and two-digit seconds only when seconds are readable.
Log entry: 8.24
